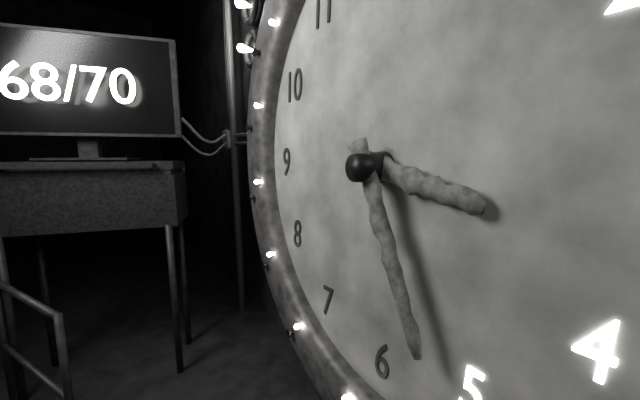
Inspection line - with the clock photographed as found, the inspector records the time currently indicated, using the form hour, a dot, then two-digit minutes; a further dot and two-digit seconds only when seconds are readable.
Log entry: 3.26
